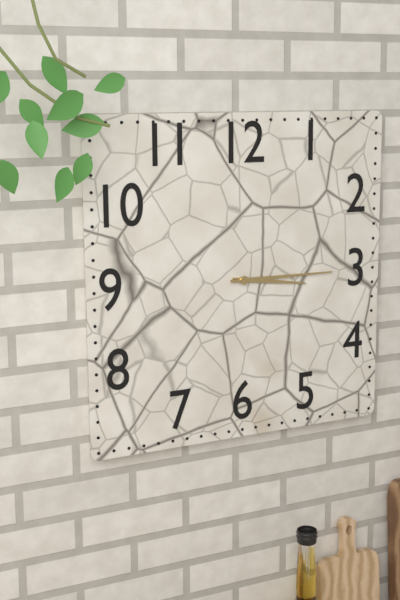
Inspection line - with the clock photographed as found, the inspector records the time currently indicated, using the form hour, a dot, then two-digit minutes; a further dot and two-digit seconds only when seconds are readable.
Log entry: 3.15
